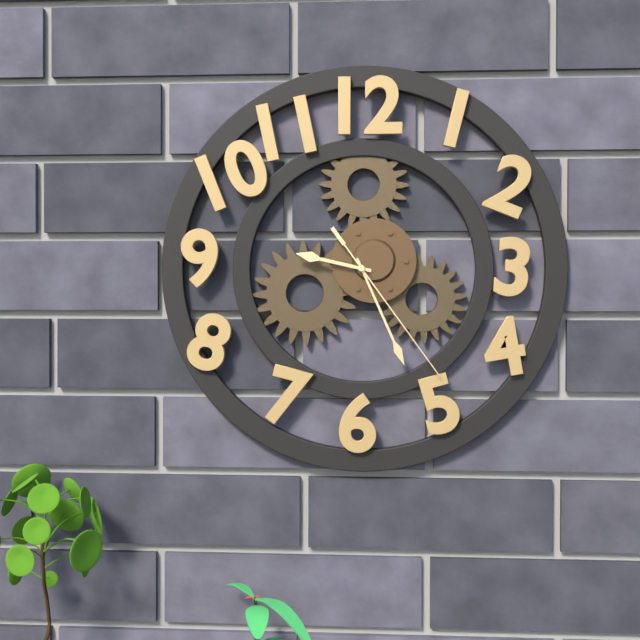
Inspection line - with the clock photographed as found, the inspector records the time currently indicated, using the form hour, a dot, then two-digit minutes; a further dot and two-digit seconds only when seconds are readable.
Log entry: 9.26.24
